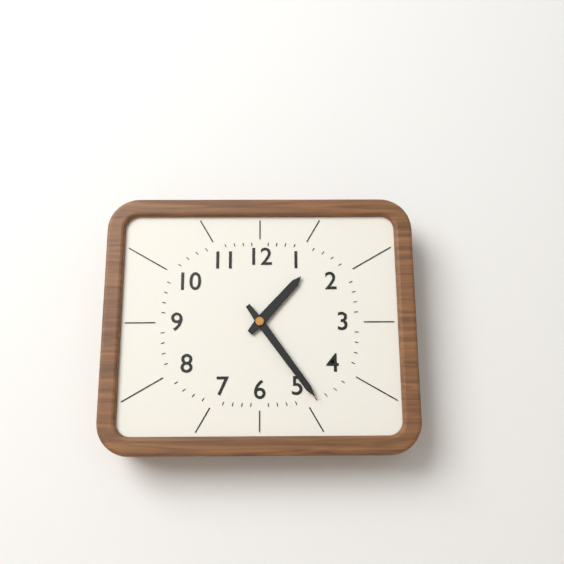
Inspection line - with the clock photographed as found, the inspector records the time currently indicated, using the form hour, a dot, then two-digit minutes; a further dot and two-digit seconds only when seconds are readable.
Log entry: 1.24
